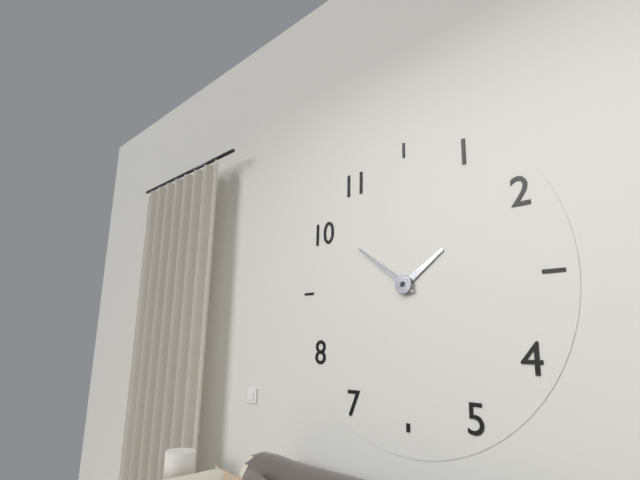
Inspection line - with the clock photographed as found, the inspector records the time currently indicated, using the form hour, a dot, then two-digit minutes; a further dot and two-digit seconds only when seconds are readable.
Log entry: 1.51
